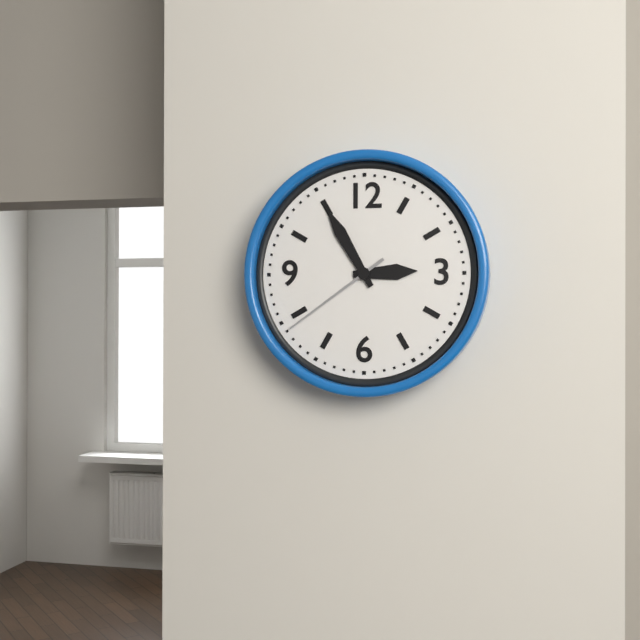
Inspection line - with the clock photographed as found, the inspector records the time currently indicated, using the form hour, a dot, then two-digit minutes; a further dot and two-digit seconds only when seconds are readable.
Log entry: 2.55.39
